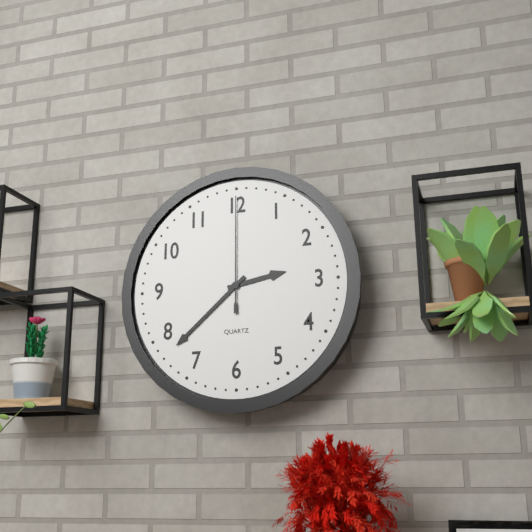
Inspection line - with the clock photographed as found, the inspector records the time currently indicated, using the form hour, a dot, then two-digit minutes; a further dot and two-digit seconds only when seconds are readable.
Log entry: 2.38.00
